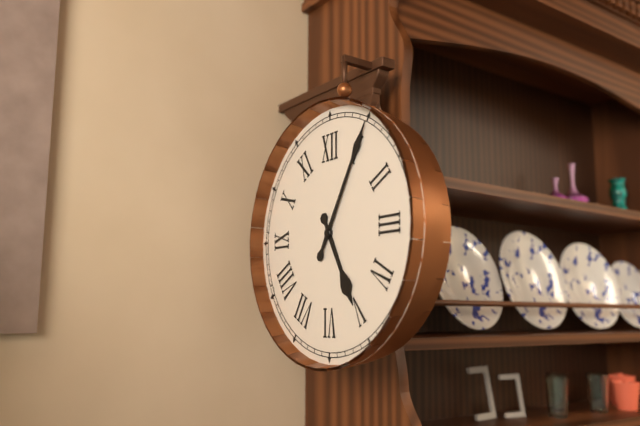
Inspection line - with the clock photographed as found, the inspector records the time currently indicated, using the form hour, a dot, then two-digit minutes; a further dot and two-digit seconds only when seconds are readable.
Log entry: 5.05
